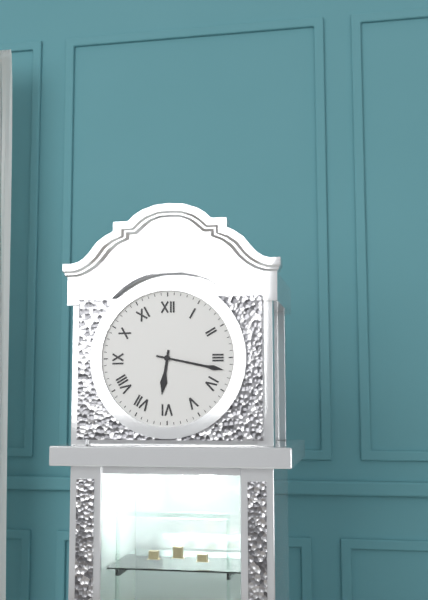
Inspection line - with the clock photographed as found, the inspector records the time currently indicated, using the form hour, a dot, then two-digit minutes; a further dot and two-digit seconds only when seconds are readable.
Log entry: 6.17
